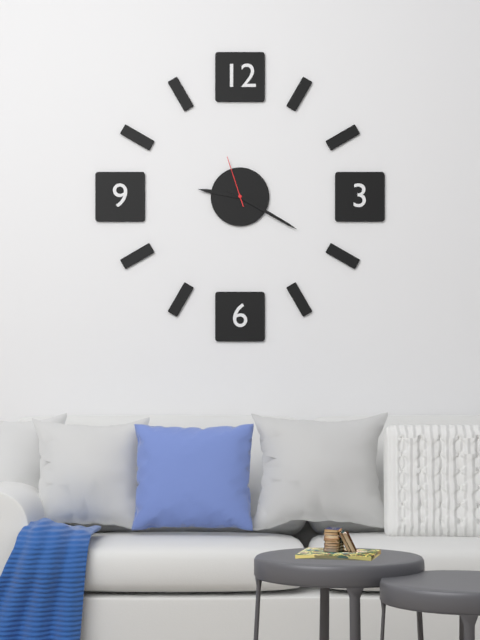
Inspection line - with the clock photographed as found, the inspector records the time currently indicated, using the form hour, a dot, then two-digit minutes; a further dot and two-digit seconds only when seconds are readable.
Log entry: 9.20.57
